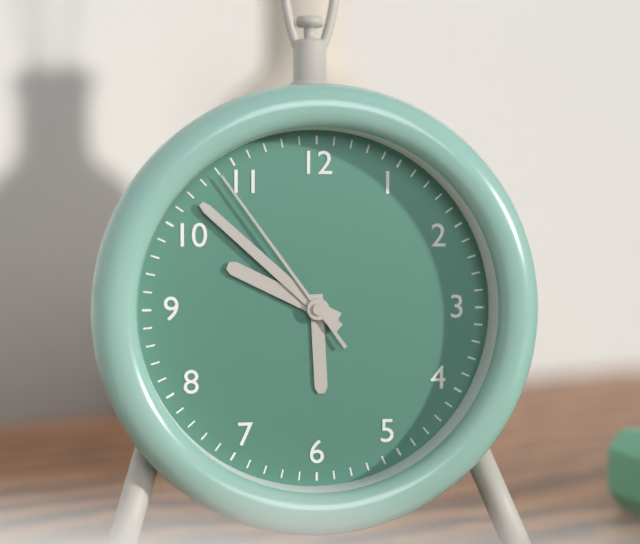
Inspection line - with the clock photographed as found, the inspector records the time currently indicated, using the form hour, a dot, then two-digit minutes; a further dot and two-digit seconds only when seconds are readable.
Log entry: 9.52.54
